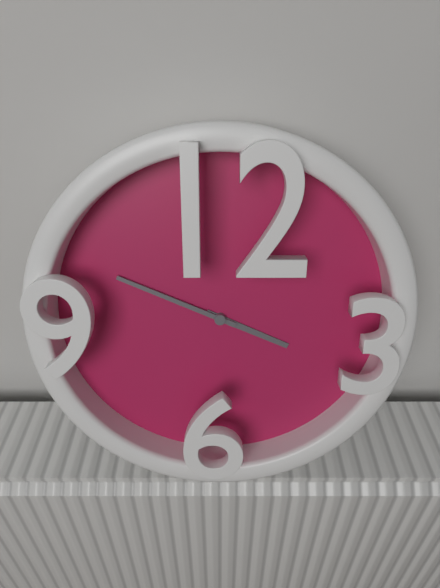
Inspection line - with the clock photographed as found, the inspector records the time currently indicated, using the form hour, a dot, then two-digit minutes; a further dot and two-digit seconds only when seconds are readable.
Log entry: 3.49
